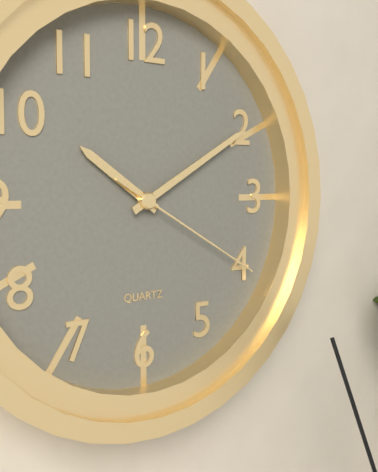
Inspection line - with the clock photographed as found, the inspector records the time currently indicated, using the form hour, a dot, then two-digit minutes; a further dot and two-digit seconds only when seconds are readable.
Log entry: 10.10.20
